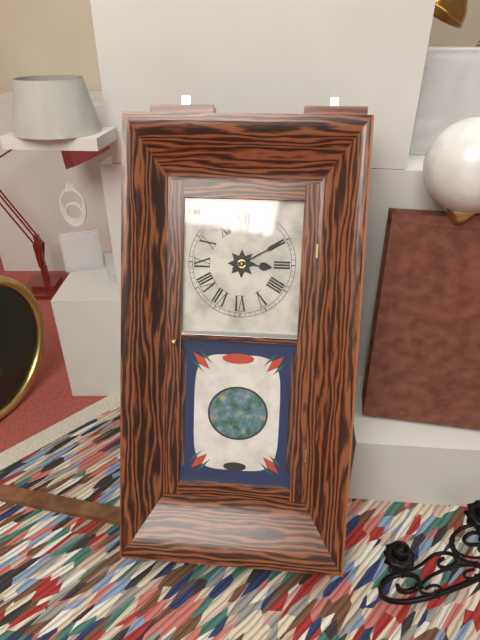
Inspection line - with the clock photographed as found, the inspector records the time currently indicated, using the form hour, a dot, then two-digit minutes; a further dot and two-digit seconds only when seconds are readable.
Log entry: 3.10
